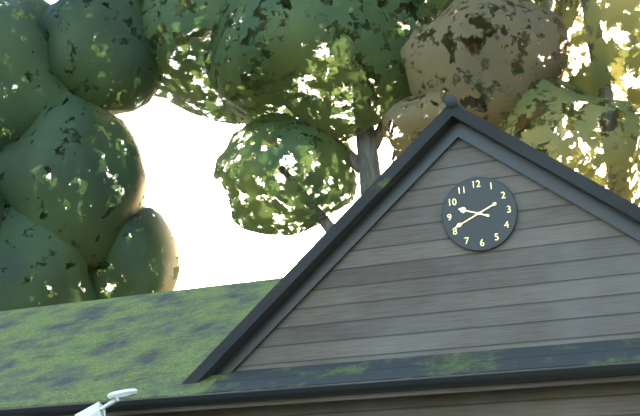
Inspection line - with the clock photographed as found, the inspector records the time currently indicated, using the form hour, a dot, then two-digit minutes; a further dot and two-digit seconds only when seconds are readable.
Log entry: 9.41
